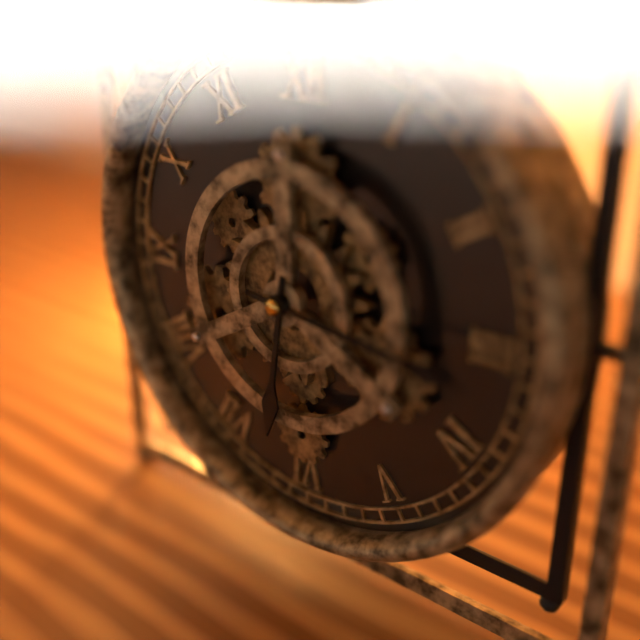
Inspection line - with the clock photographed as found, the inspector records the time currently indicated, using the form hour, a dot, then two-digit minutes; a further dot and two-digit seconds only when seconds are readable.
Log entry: 6.16
